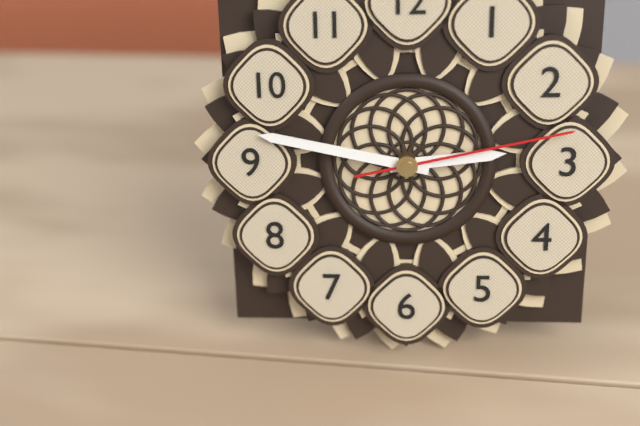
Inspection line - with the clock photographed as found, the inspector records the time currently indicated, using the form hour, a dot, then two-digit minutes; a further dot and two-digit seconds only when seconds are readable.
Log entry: 2.47.13
